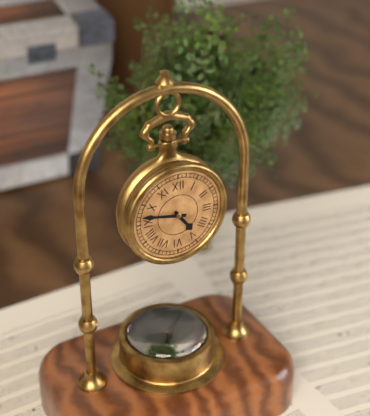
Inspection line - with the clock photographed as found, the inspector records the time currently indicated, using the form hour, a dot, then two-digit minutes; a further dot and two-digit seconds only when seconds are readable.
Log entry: 4.47
